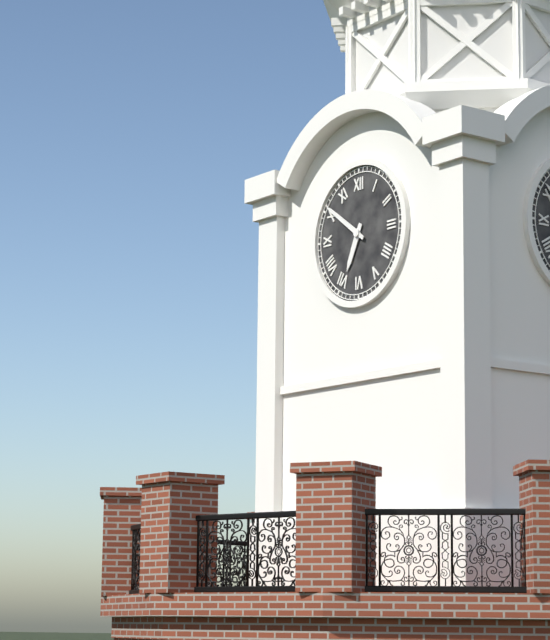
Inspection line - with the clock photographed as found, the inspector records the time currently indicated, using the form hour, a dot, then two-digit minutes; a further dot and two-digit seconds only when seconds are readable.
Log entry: 6.51
